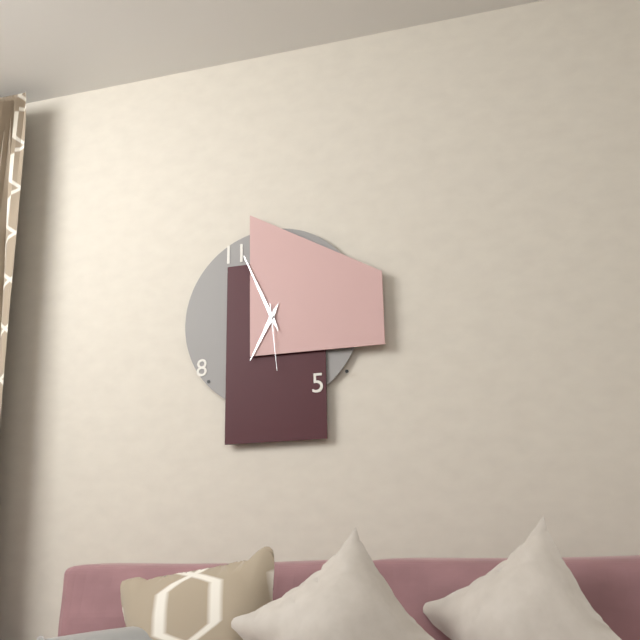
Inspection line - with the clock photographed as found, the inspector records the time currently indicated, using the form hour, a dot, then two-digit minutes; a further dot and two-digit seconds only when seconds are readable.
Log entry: 6.56.29
